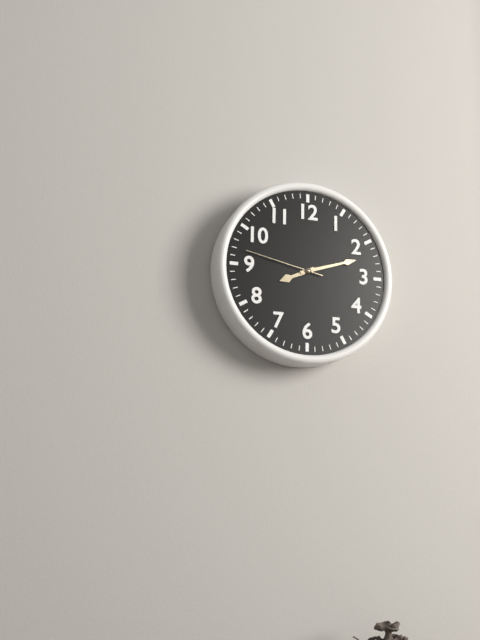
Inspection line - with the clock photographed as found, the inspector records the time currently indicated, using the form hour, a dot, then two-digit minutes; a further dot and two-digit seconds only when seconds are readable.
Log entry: 8.12.47
